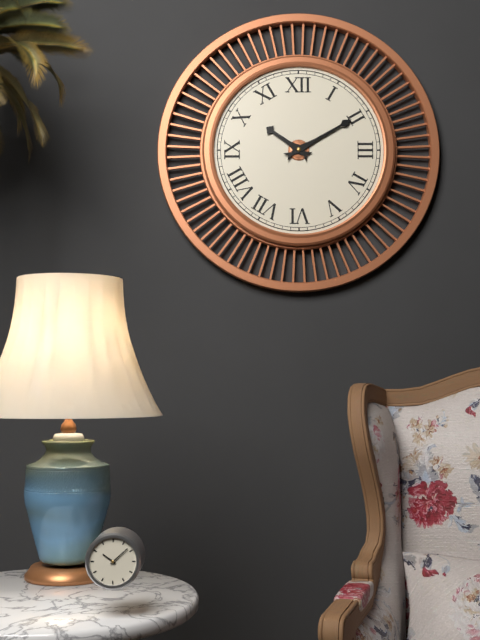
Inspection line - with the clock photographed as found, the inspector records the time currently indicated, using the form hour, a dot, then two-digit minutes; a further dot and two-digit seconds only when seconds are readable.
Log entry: 10.10
